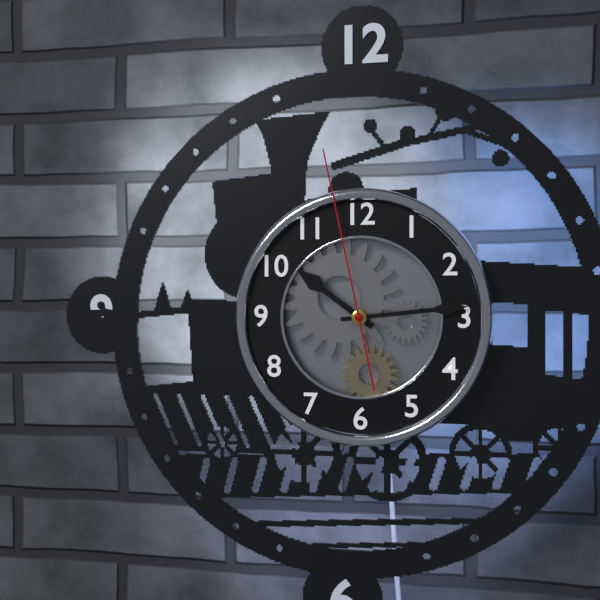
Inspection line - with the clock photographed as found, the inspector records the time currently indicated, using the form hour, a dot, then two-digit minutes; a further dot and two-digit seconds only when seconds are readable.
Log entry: 10.14.58
